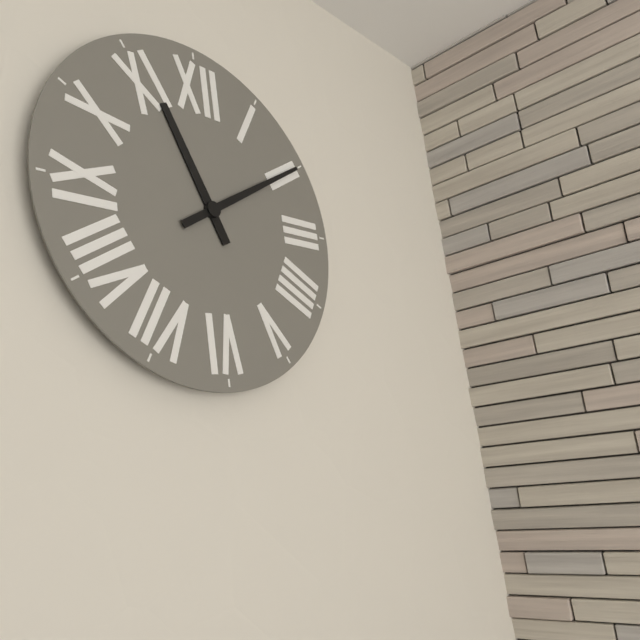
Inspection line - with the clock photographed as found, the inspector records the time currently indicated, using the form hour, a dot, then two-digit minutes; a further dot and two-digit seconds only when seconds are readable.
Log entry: 11.10
